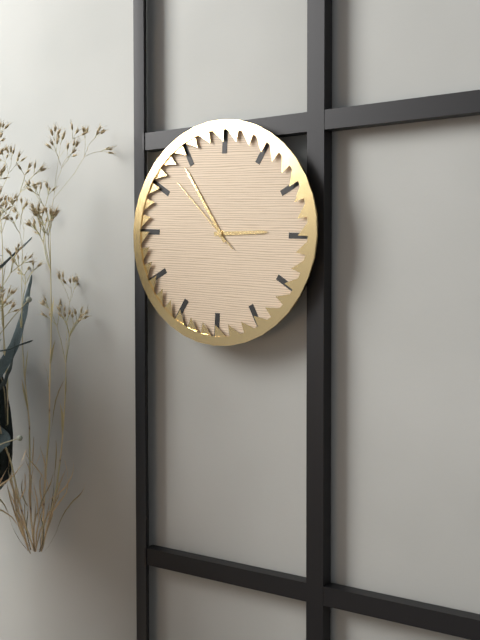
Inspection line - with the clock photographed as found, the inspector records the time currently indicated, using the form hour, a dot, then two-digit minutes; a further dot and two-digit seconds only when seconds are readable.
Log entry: 2.54.52
